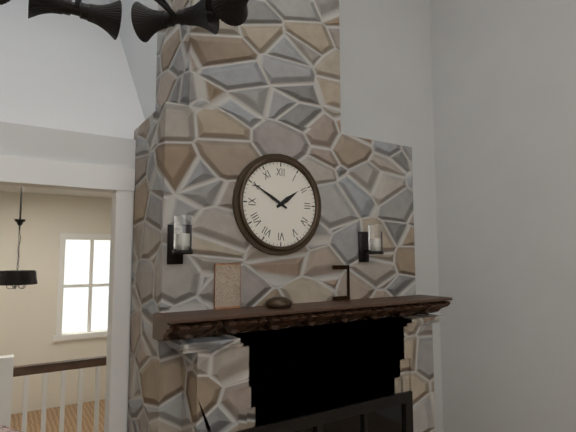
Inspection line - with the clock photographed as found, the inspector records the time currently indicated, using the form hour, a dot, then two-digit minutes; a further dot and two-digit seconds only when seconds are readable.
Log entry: 1.50
